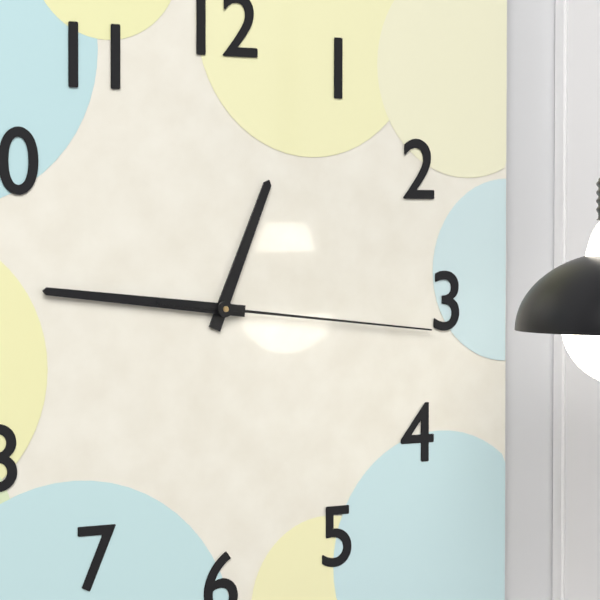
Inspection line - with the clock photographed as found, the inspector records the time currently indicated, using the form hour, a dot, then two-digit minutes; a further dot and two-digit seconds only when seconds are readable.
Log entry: 12.46.16
